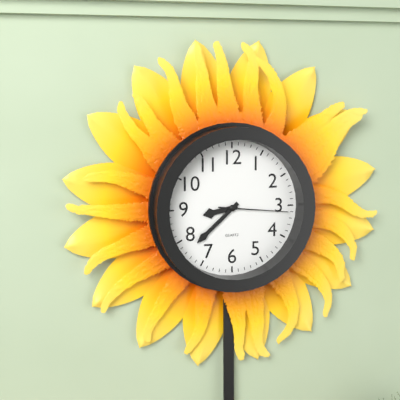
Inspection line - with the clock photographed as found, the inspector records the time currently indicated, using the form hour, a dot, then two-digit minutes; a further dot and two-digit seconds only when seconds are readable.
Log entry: 8.38.16
